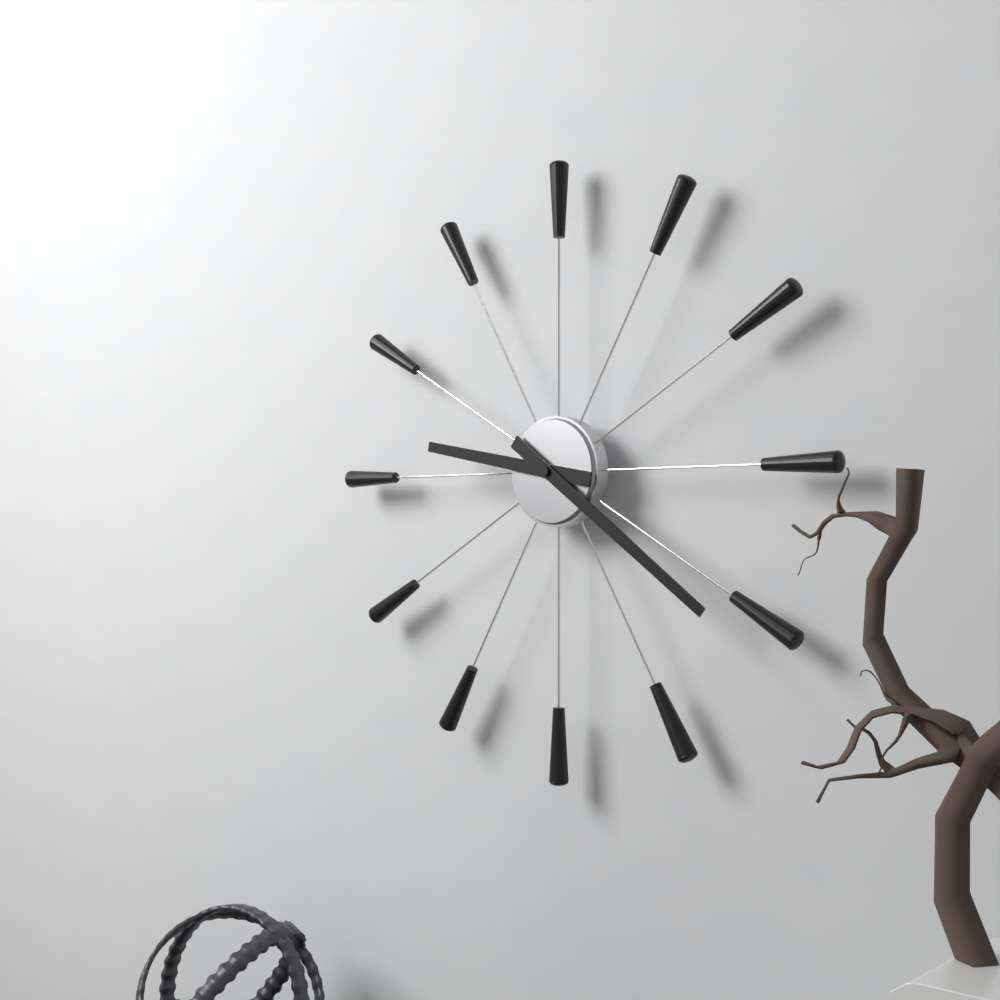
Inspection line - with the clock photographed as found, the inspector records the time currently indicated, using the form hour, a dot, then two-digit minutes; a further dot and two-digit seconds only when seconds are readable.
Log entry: 9.21
